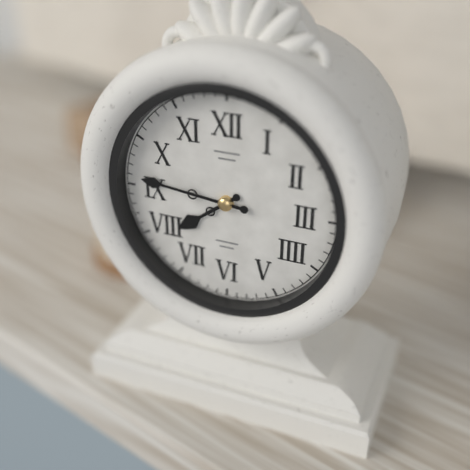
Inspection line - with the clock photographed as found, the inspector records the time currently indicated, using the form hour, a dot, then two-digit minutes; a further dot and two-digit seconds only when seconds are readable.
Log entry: 7.46
